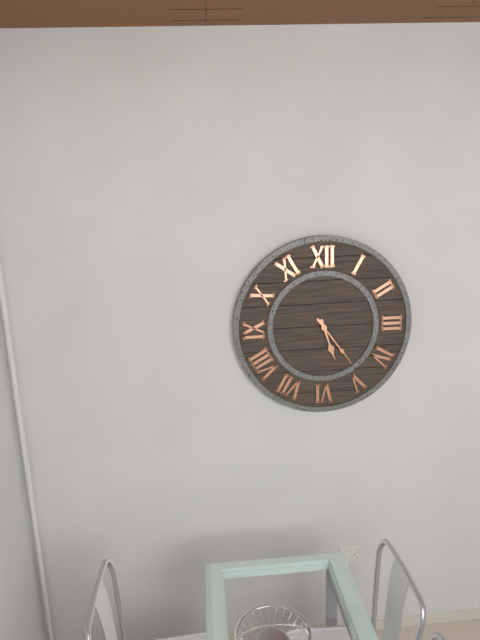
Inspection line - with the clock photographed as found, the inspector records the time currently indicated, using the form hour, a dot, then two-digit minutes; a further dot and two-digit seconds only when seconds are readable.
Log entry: 5.24
